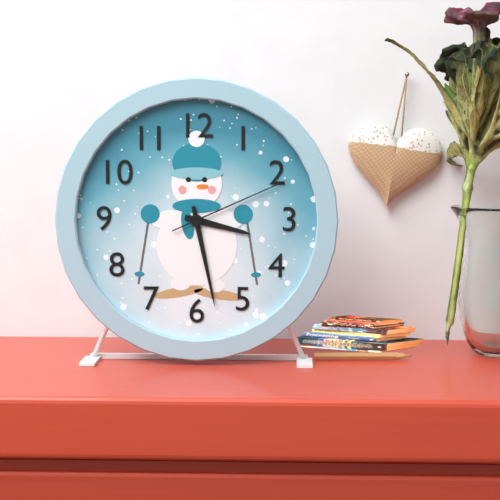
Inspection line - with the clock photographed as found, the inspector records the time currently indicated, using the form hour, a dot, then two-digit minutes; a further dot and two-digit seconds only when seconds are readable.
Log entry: 3.28.11
